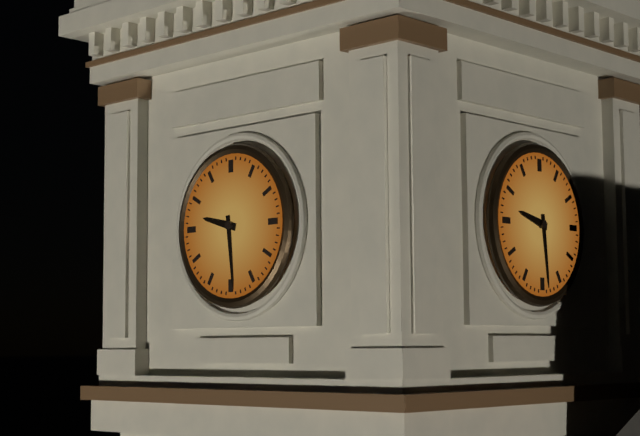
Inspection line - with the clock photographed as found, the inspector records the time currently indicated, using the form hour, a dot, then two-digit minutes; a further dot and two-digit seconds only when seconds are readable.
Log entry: 9.29
